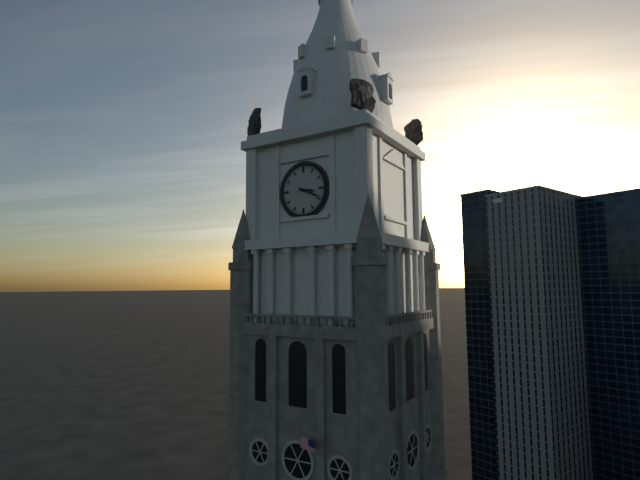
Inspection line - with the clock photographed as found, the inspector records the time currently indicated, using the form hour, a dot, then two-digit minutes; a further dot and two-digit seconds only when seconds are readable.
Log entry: 3.19
